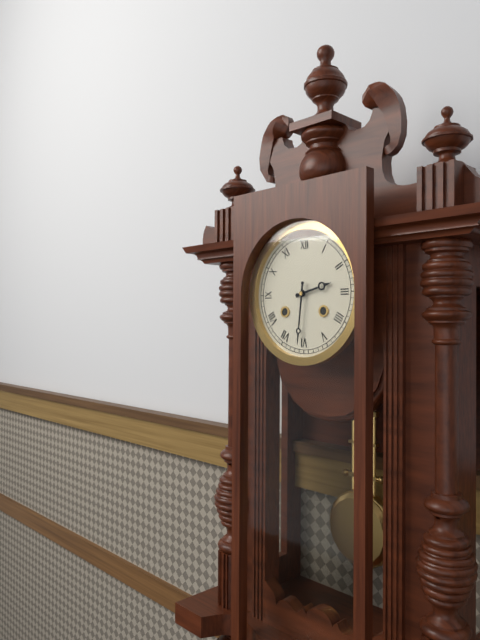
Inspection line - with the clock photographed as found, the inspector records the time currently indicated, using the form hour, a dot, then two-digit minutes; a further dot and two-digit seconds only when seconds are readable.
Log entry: 2.31
